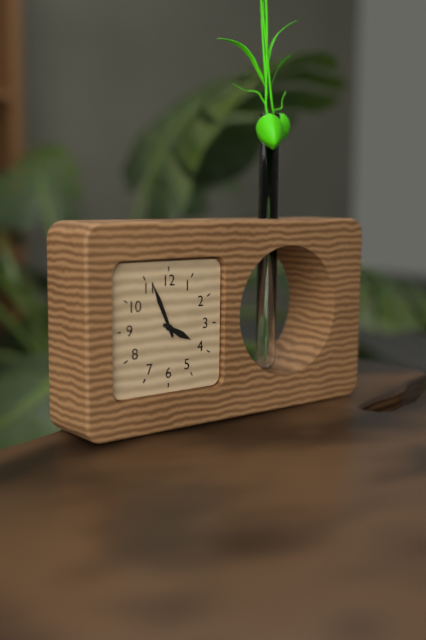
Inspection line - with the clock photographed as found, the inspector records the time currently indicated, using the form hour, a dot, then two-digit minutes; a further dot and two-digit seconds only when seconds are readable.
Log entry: 3.56
